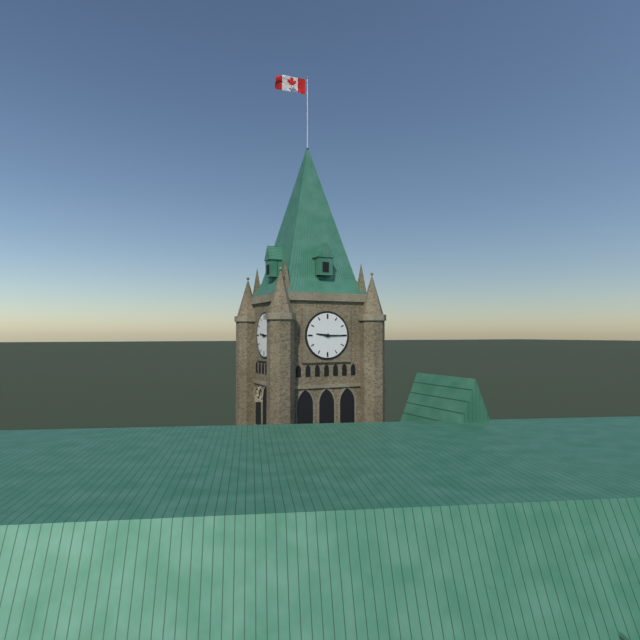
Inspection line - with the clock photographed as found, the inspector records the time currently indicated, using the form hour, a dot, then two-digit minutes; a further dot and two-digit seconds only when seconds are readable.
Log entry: 9.15
